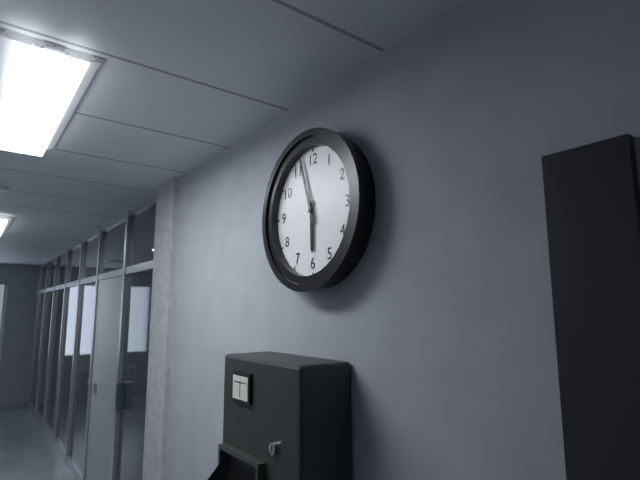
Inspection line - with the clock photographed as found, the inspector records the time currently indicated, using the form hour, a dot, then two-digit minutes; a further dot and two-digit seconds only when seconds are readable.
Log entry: 5.57
